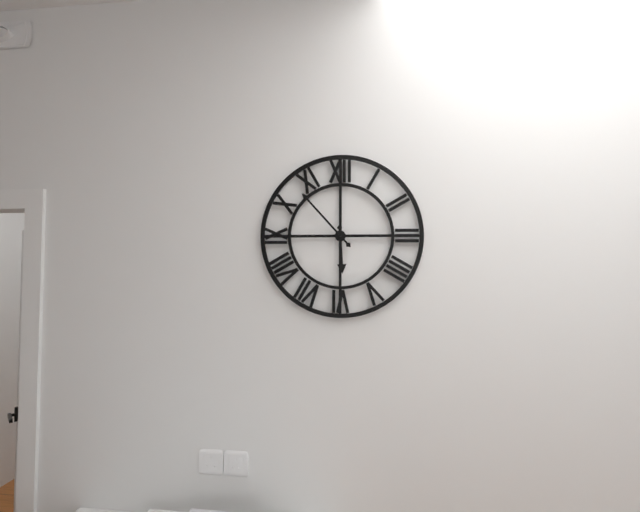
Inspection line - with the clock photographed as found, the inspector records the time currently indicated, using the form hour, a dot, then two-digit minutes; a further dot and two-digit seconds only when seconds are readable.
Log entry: 5.53
